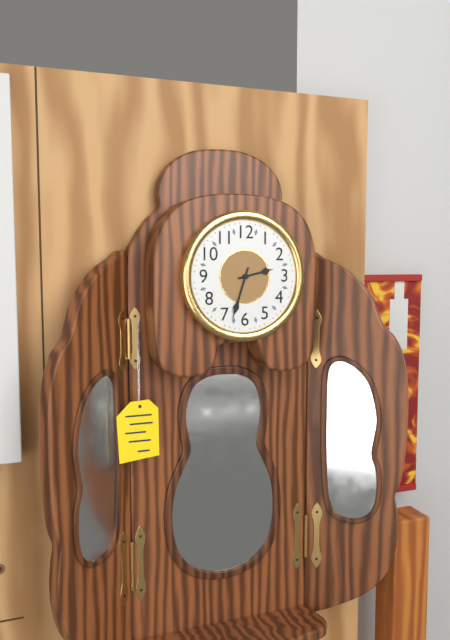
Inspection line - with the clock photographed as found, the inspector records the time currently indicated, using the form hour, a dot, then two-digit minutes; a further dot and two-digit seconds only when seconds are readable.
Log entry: 2.33
